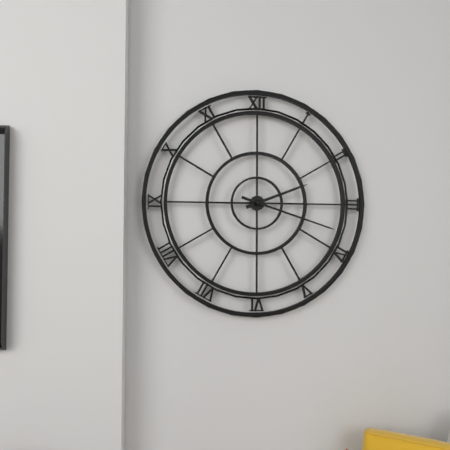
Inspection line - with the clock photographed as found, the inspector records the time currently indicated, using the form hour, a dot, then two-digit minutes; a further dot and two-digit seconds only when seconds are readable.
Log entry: 2.18
